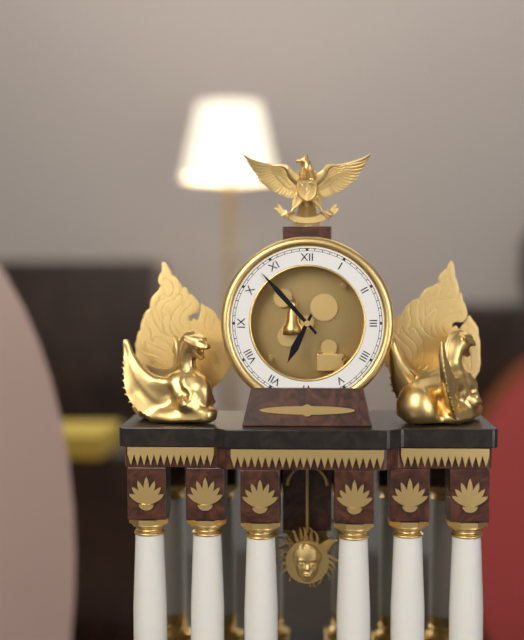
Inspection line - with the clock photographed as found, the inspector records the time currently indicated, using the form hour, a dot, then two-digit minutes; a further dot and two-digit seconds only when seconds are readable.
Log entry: 6.53
